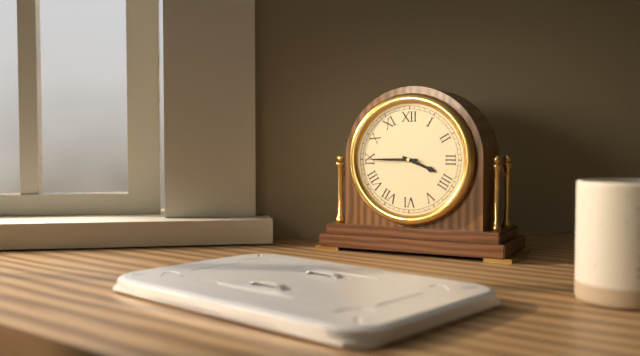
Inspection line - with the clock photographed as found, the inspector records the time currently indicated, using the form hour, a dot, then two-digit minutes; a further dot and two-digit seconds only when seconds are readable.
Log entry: 3.45
